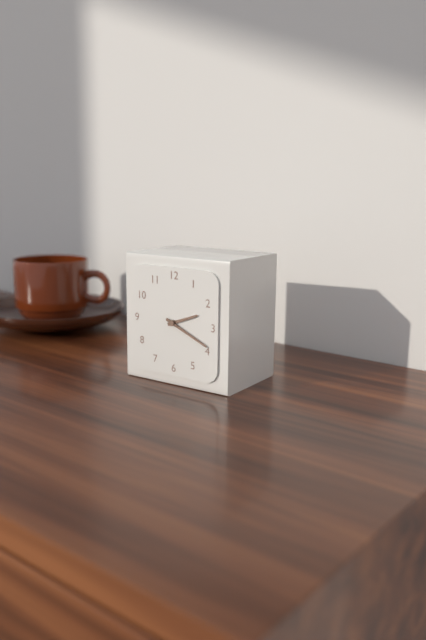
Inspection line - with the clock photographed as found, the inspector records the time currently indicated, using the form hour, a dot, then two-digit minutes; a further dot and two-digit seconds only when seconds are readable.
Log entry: 2.19
